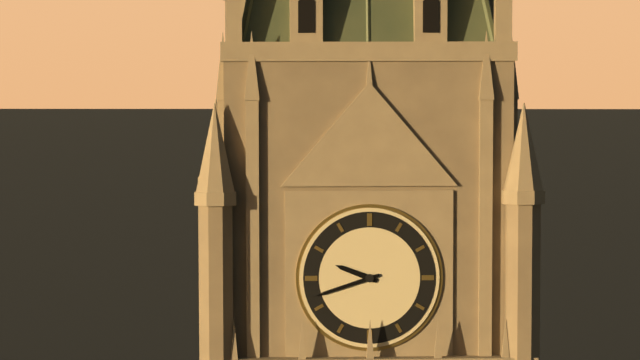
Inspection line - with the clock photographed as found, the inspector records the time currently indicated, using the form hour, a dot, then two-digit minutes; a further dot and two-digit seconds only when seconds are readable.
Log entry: 9.42
